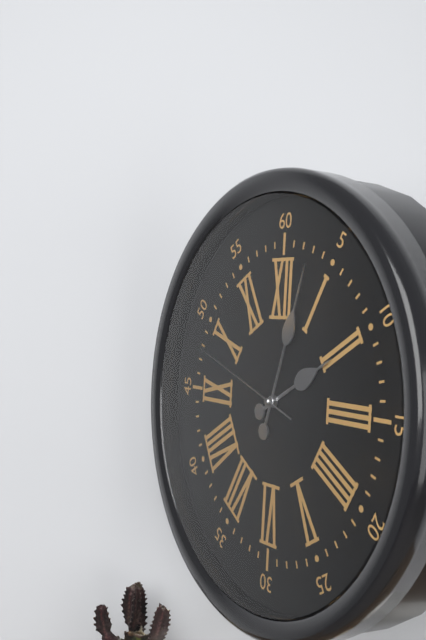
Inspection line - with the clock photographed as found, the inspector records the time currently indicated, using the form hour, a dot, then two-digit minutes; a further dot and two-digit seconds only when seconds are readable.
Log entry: 2.03.48
